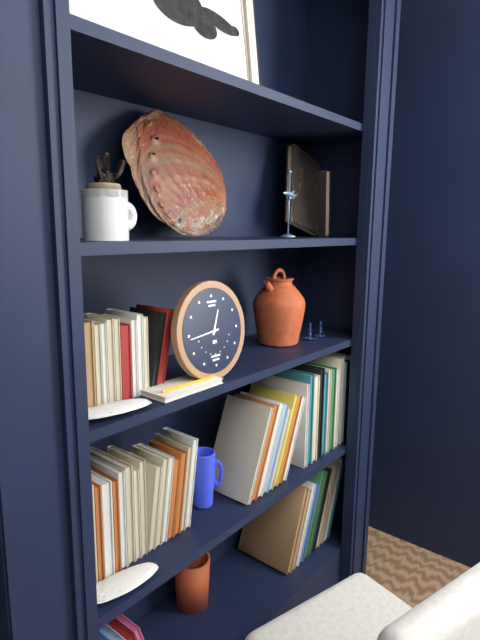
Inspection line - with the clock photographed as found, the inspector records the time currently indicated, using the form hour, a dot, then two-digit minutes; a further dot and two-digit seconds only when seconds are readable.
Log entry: 12.44
